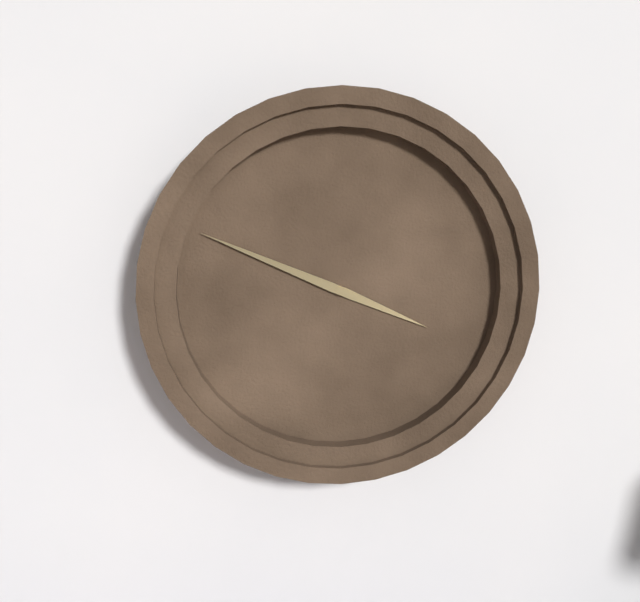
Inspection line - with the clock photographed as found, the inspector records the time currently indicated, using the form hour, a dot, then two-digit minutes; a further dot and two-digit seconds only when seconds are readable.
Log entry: 3.49
